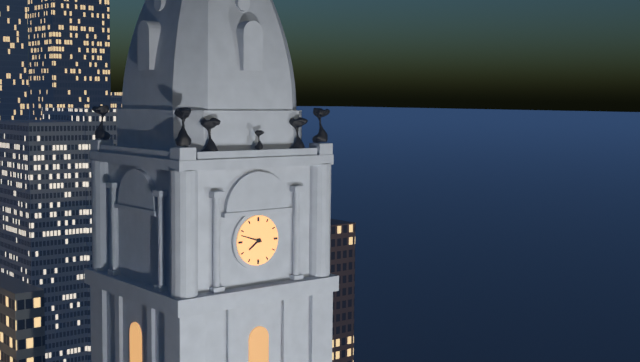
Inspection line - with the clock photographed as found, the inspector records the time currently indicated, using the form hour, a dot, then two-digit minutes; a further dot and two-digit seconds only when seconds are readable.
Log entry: 7.48
